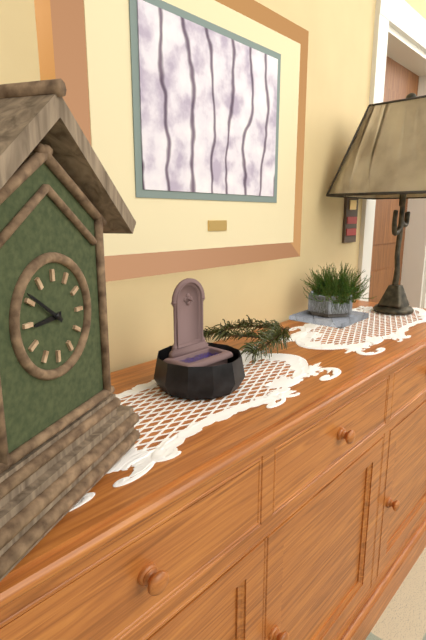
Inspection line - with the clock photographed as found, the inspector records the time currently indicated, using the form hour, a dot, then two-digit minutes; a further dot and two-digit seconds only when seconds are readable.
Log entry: 8.51
